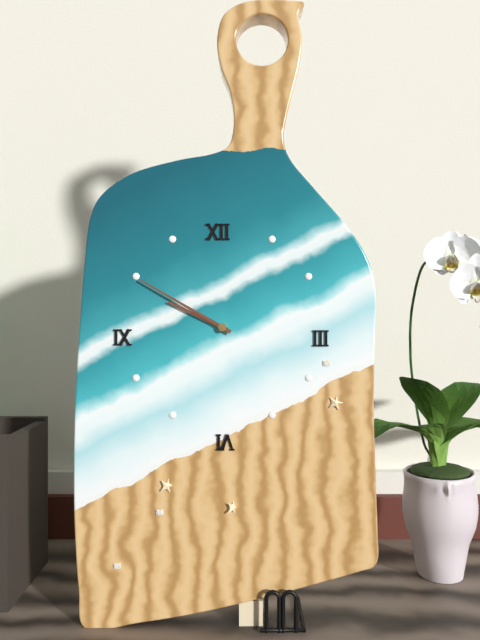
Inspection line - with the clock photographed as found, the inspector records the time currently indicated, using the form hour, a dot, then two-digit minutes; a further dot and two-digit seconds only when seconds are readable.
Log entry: 9.50
